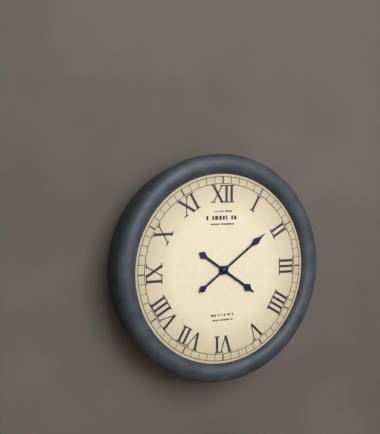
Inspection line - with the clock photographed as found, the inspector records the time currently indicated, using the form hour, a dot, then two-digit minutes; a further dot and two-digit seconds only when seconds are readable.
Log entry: 4.09
